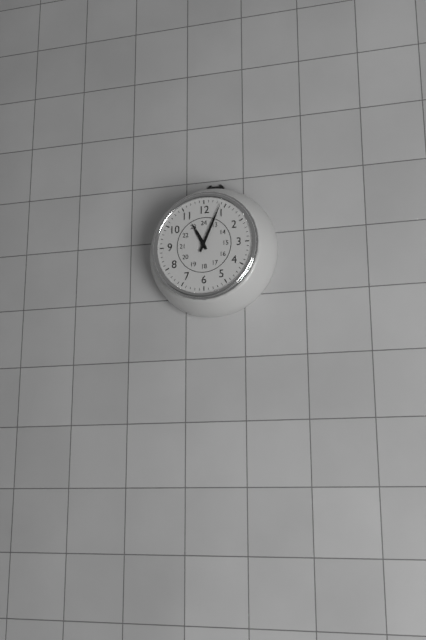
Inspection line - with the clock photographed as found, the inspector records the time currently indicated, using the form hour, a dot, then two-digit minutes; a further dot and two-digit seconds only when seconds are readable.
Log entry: 11.04
